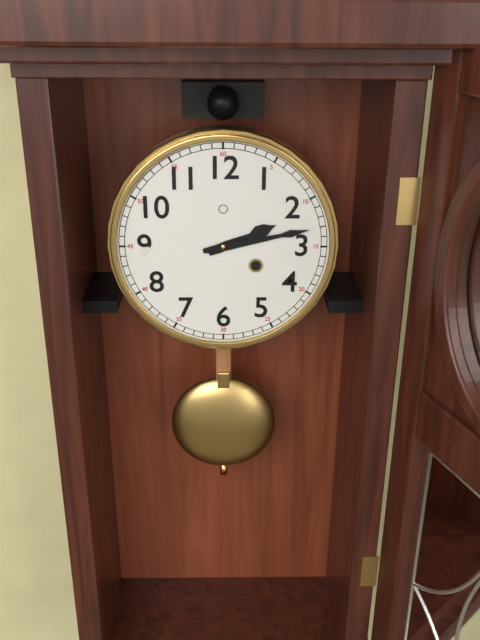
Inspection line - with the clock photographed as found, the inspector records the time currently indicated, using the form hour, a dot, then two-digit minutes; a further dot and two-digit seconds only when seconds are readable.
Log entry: 2.13
